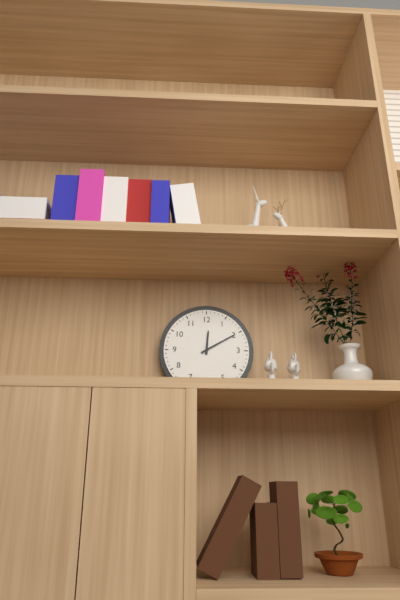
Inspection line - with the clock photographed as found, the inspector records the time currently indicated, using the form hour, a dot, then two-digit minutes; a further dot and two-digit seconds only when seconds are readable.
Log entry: 12.10
